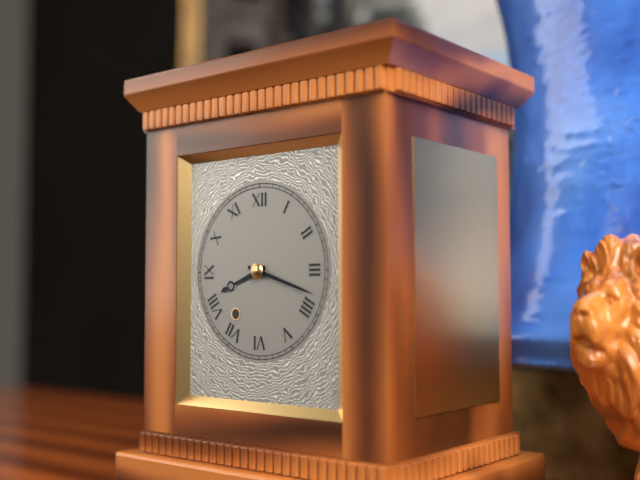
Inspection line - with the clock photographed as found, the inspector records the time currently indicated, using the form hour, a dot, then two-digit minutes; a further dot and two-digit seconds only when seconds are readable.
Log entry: 8.18
